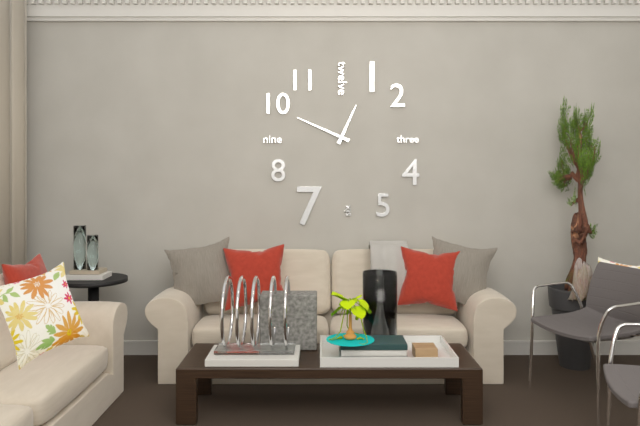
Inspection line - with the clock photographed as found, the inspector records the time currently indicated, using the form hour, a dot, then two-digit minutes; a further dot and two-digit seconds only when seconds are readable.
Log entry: 12.49
